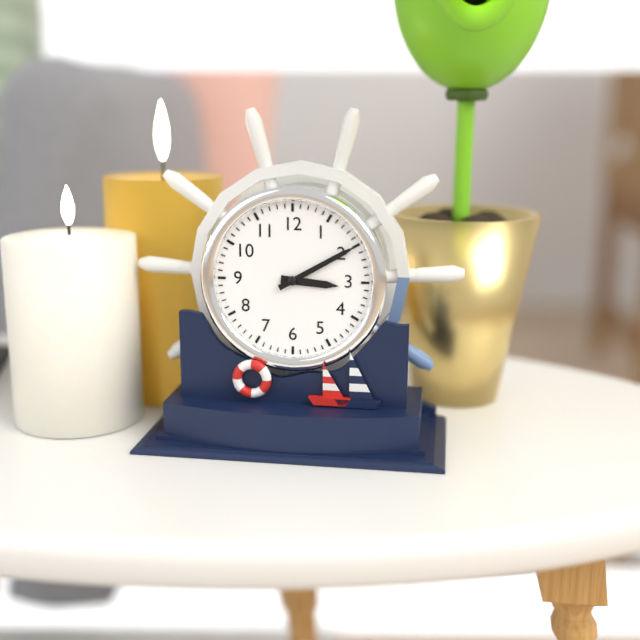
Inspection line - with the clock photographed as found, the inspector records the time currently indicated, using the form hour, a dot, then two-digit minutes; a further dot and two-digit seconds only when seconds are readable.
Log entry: 3.10
